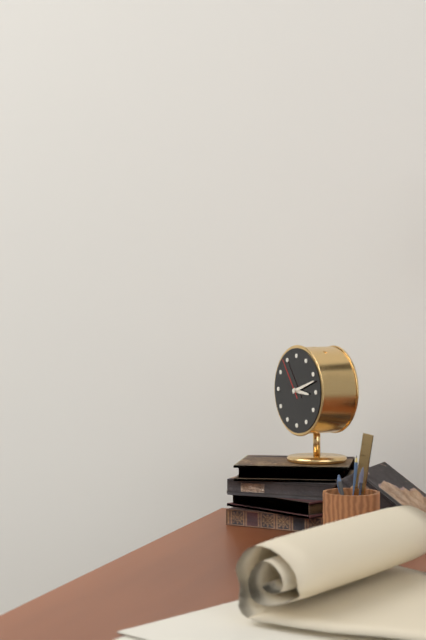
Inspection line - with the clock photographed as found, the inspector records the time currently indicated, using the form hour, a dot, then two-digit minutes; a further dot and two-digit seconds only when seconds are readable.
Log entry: 3.12
